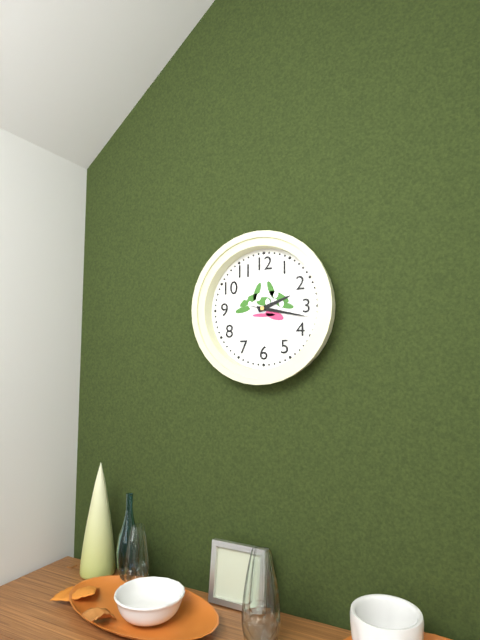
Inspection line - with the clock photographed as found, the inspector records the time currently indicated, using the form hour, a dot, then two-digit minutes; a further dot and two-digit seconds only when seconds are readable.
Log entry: 2.17.17
